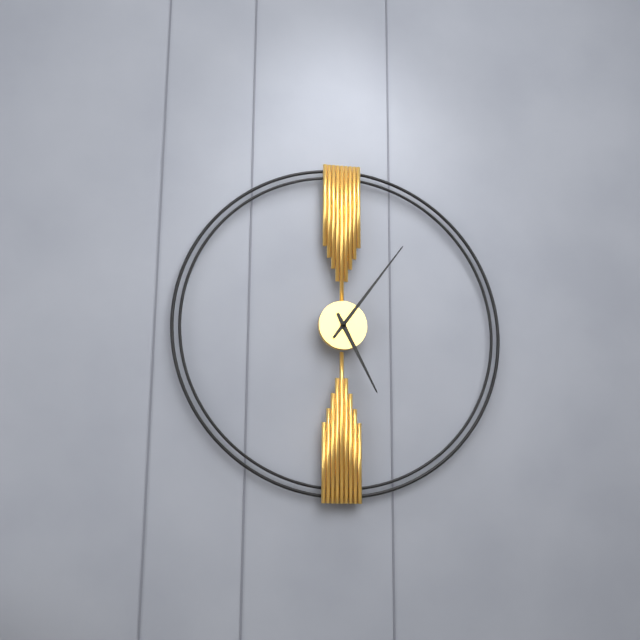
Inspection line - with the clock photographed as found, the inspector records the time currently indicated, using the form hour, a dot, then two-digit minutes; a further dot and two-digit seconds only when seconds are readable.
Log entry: 5.06
